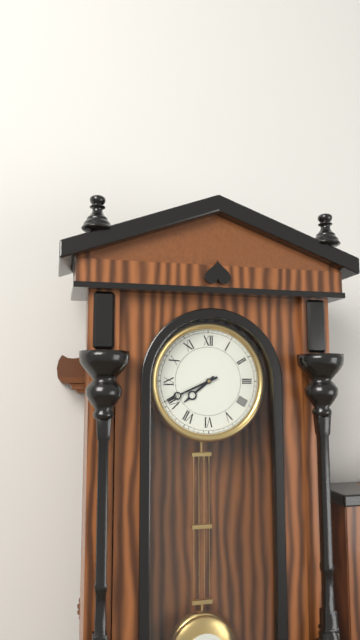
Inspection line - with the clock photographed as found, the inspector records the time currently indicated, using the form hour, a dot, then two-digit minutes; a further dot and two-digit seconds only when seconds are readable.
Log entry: 7.41
